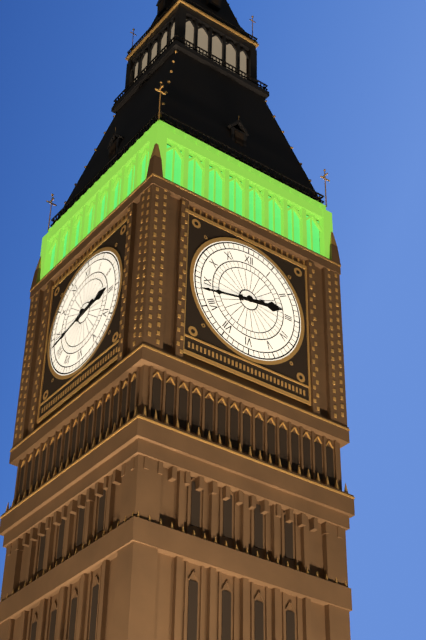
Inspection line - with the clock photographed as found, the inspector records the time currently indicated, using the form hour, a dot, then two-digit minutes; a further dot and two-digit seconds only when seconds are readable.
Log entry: 2.43
